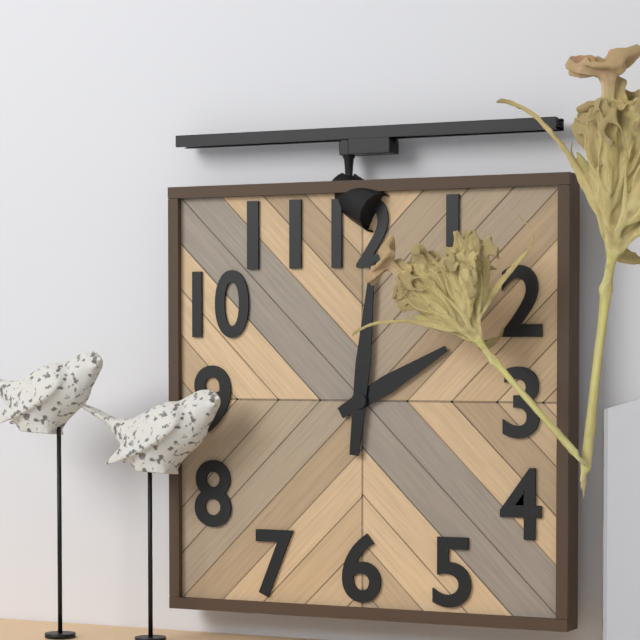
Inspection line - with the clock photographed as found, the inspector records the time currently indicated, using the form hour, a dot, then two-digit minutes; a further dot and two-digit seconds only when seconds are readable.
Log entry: 2.01
